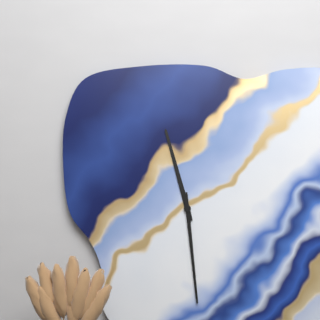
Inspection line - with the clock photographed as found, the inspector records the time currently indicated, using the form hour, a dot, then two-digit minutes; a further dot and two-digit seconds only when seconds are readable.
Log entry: 11.29
